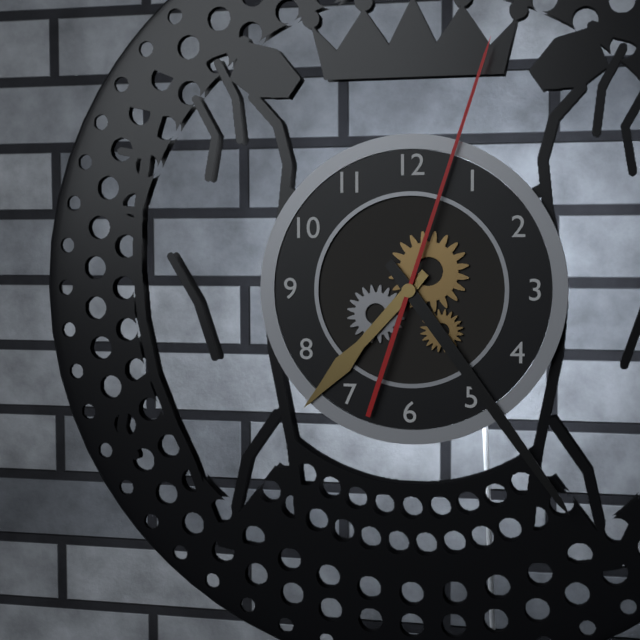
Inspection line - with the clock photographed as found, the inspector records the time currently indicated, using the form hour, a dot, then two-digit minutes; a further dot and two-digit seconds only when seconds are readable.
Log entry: 7.24.03
